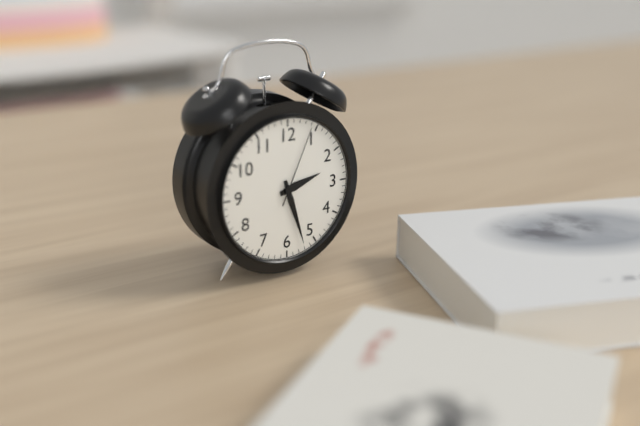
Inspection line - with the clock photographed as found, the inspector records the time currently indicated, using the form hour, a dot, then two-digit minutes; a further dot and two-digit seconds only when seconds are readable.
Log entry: 2.27.04
